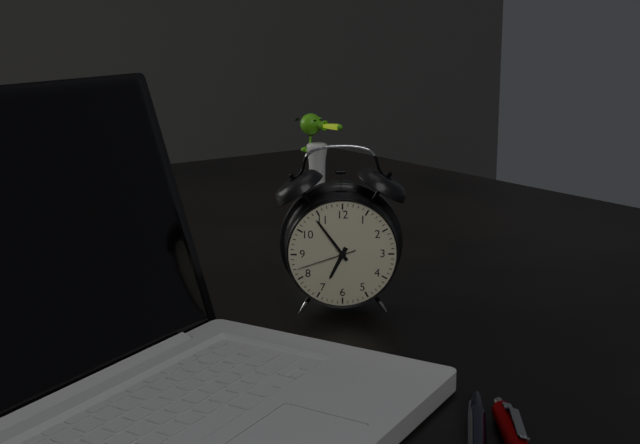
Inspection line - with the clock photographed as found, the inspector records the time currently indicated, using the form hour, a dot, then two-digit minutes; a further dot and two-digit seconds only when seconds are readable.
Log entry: 6.54.42
